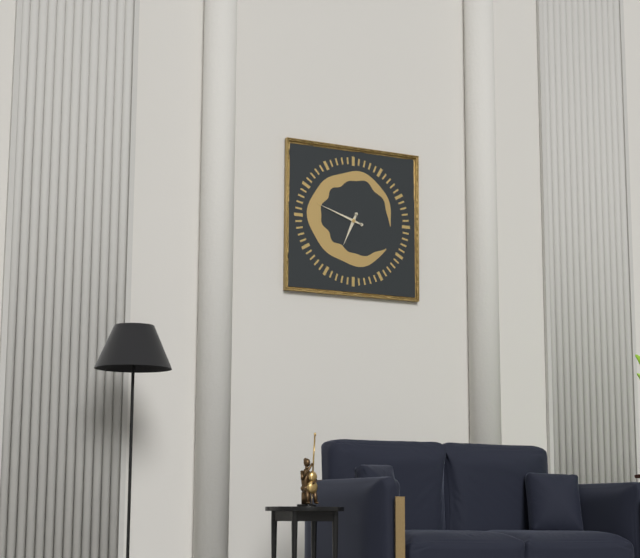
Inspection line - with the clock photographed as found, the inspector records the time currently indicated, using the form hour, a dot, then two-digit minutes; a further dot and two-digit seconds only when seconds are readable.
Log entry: 6.48
